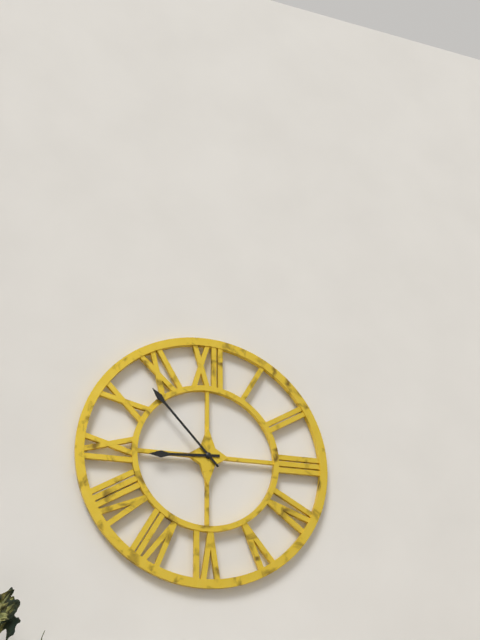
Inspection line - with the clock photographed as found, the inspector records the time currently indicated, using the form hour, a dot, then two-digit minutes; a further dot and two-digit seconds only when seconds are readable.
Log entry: 8.53
